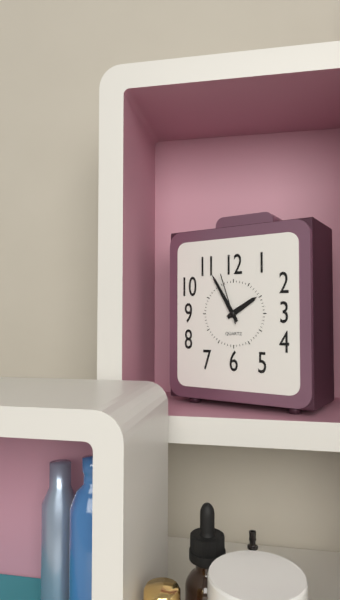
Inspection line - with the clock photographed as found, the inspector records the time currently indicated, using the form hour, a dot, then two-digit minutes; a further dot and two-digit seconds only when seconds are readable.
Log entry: 1.55.57
